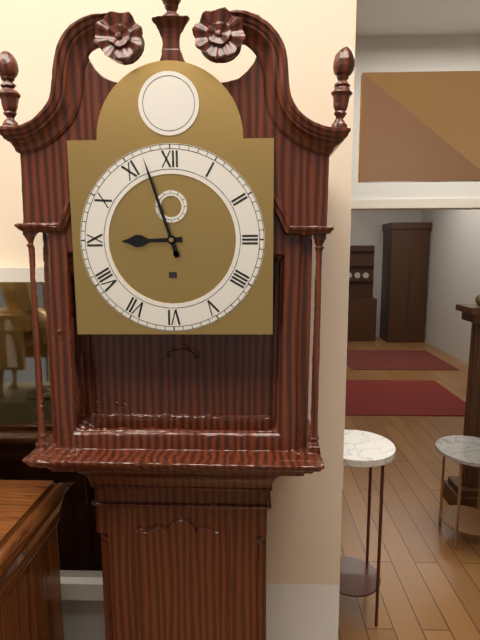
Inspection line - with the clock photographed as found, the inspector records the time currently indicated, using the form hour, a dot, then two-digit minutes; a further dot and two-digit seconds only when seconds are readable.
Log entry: 8.57
